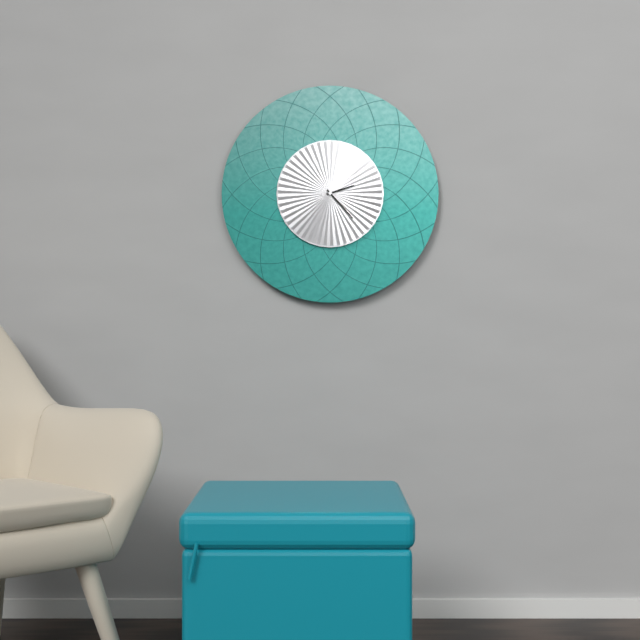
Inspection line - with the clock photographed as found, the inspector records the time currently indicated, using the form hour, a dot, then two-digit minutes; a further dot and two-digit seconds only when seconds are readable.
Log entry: 2.23
